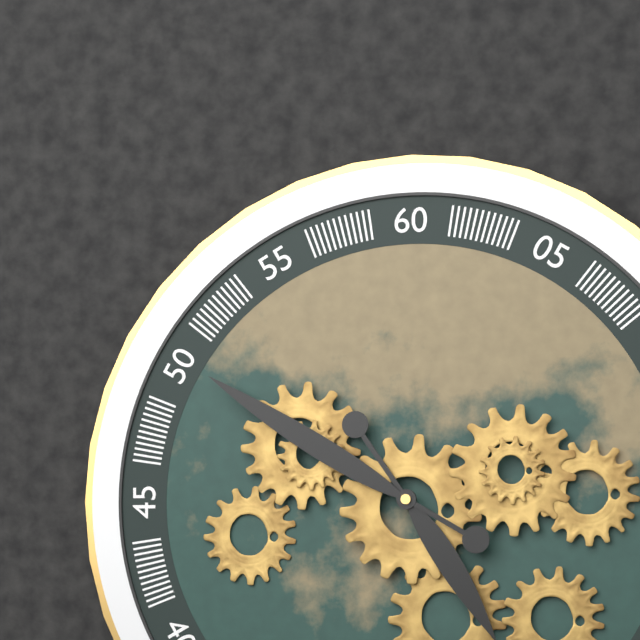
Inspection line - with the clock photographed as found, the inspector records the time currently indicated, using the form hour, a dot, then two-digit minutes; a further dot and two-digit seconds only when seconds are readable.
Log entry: 4.50
